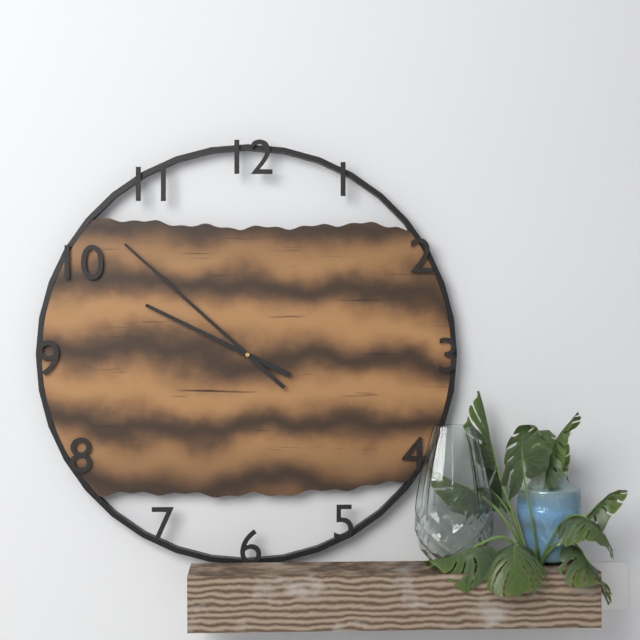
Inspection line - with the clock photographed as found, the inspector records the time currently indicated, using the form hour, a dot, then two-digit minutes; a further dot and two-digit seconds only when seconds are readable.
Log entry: 9.52
